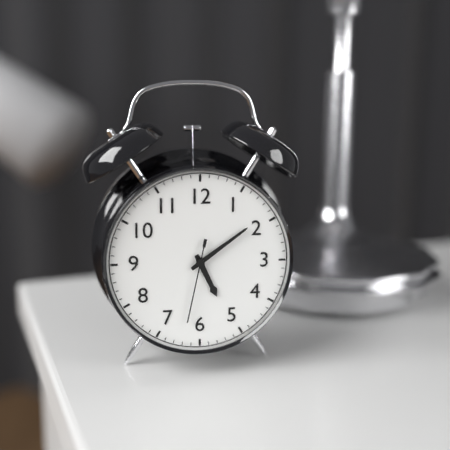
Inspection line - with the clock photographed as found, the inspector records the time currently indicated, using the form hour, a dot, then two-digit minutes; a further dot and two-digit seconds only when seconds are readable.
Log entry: 5.09.32
